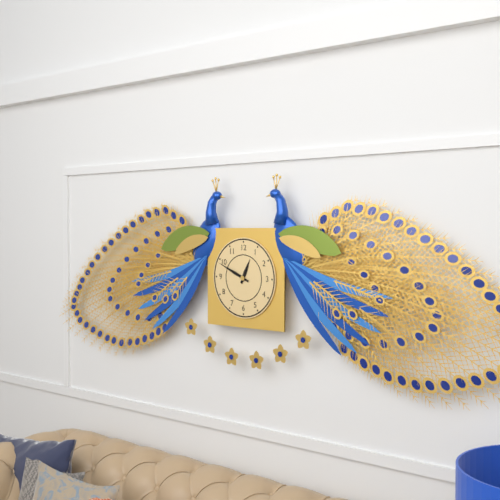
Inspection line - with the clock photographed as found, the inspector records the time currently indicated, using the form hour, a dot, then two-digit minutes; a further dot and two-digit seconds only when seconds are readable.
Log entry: 12.49
